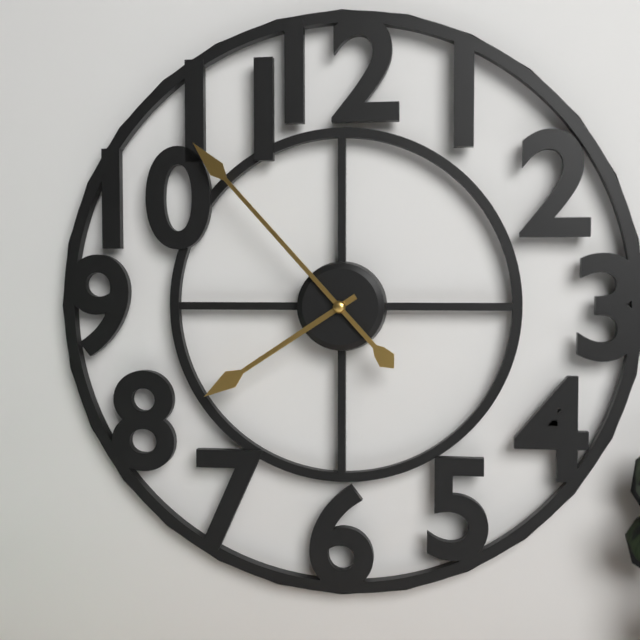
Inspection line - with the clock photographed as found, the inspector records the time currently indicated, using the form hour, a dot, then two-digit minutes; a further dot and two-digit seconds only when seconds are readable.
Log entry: 7.53
